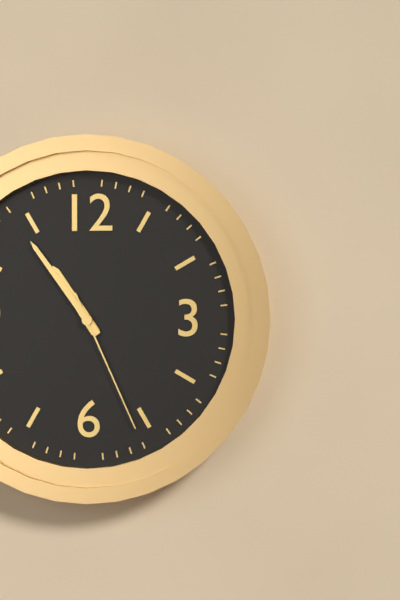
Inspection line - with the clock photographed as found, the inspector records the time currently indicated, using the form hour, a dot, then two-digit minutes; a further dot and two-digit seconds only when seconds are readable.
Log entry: 10.54.26
